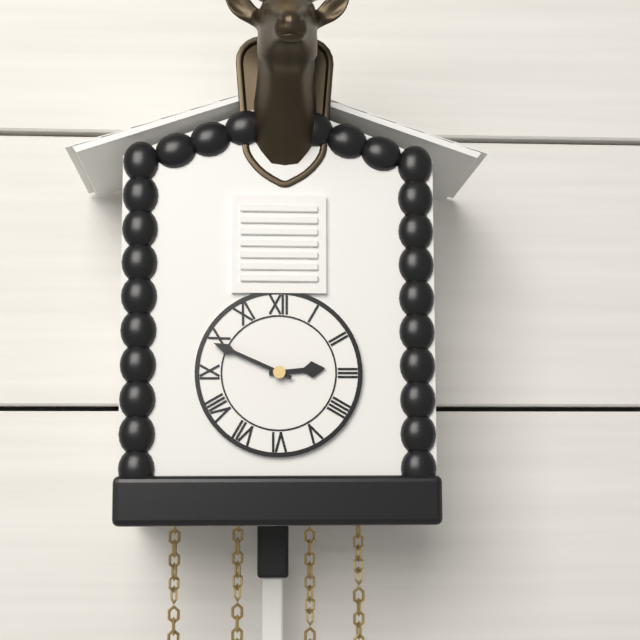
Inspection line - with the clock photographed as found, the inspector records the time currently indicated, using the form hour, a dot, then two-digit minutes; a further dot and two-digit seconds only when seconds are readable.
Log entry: 2.49
